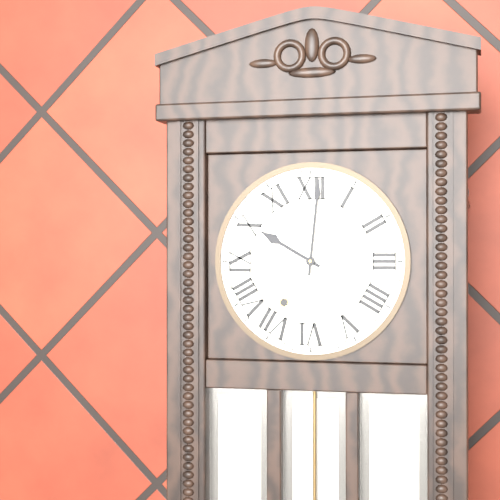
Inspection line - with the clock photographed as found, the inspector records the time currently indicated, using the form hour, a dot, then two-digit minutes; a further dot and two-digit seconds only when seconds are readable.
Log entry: 10.01
